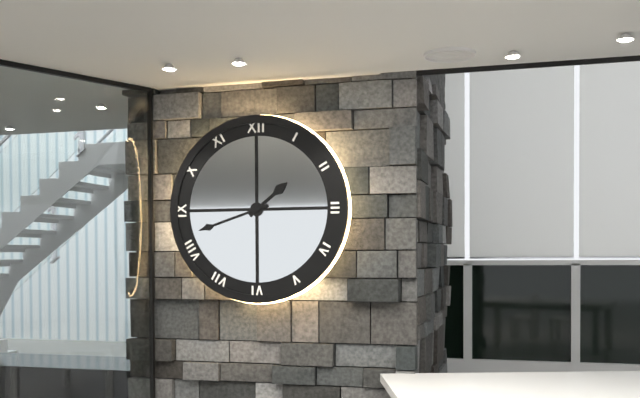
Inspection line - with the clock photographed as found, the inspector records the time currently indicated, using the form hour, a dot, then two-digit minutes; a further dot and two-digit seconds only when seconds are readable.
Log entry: 1.42
